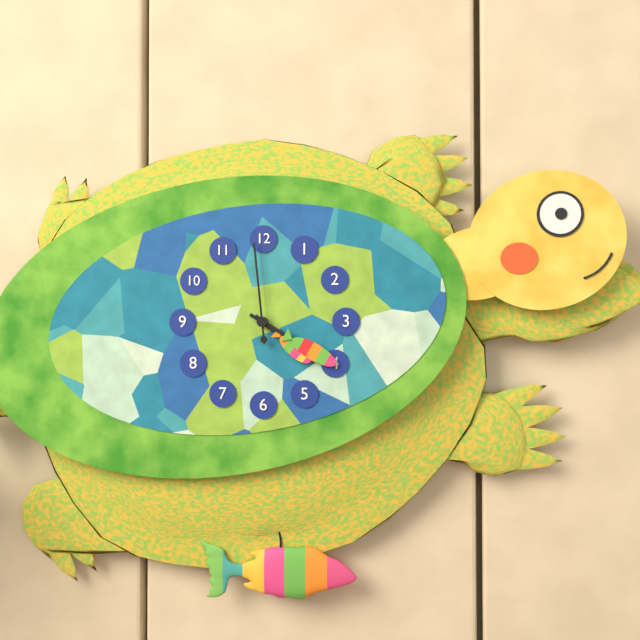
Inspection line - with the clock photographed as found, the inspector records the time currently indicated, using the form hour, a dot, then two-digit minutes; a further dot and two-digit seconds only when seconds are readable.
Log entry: 4.20.59
